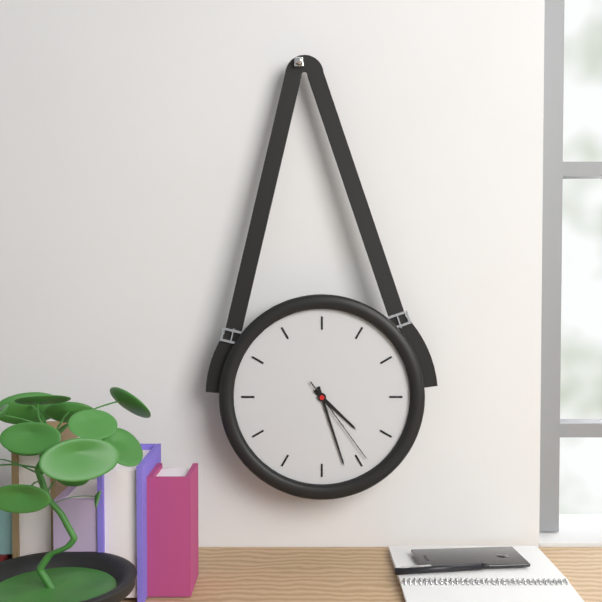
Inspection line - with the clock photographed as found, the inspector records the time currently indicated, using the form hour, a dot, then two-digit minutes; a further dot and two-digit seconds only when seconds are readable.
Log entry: 4.27.24
